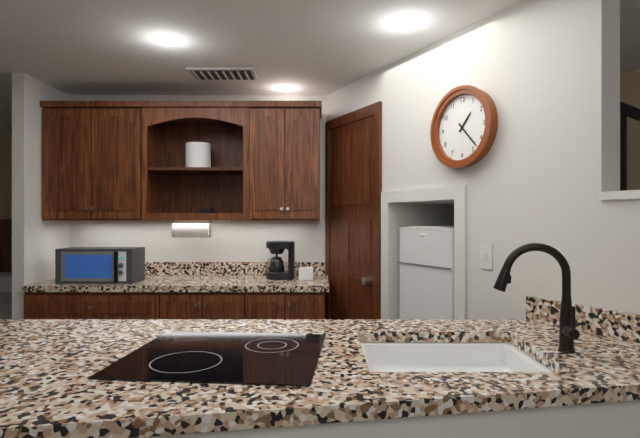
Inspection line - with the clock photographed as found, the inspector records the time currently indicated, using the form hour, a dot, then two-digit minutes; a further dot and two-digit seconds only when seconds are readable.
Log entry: 1.23
